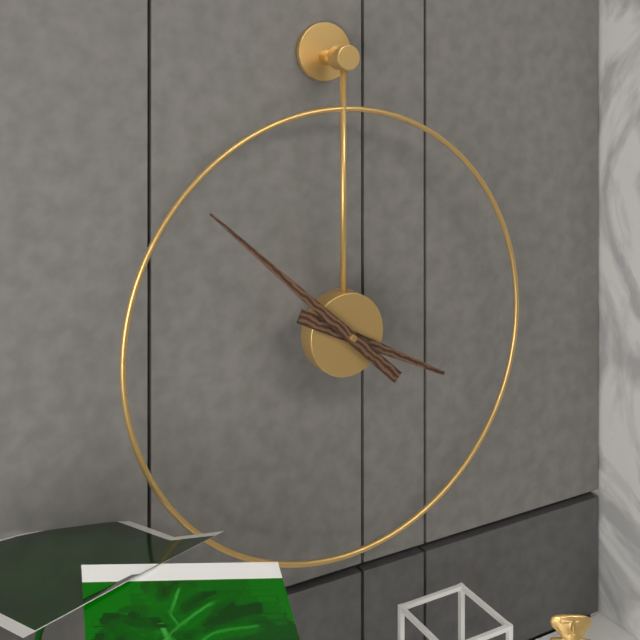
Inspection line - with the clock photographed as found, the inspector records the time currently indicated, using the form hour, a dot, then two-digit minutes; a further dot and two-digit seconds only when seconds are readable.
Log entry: 3.52
